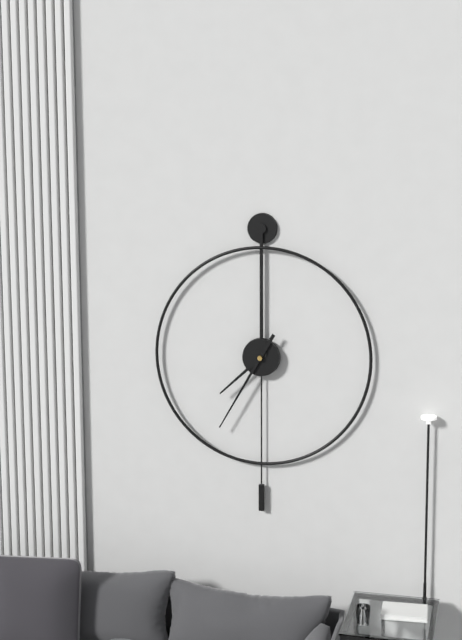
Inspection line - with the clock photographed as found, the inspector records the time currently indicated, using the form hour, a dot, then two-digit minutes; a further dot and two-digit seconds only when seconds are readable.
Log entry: 7.35
